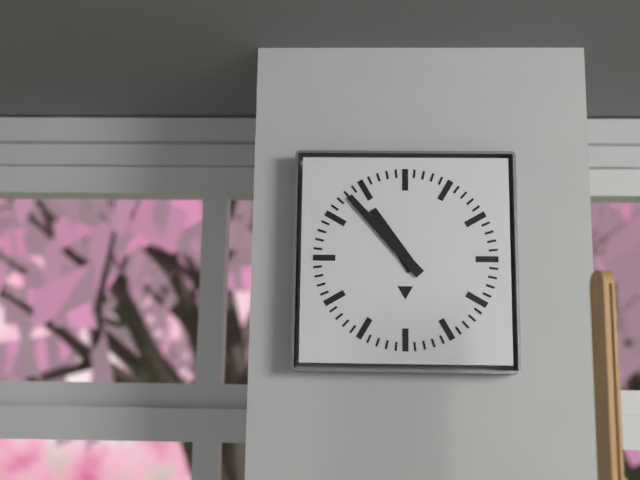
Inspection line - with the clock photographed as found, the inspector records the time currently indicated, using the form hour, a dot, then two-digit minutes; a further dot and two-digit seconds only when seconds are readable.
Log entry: 10.53
